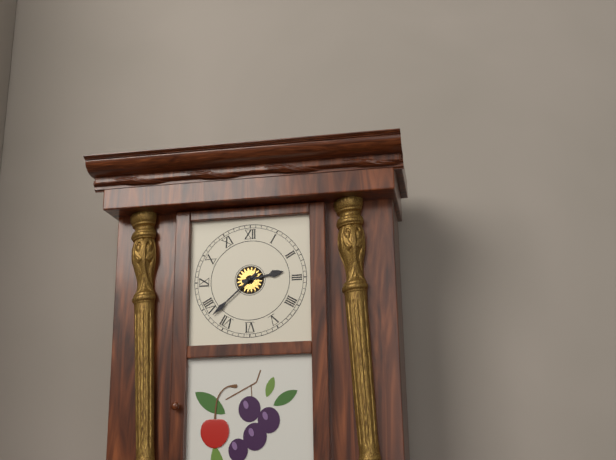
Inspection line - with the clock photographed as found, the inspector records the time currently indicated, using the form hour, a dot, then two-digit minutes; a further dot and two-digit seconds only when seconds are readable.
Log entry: 2.38
